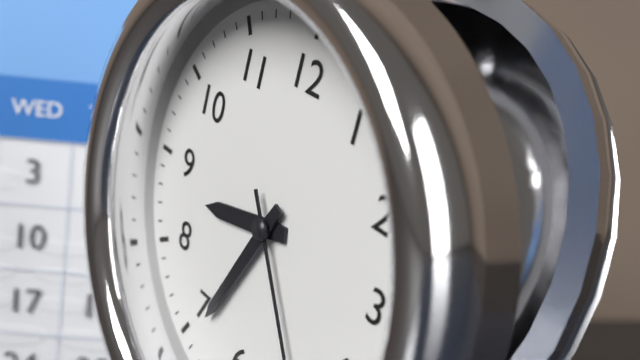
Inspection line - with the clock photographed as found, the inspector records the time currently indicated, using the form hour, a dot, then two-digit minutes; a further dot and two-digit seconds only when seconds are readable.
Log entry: 8.34
